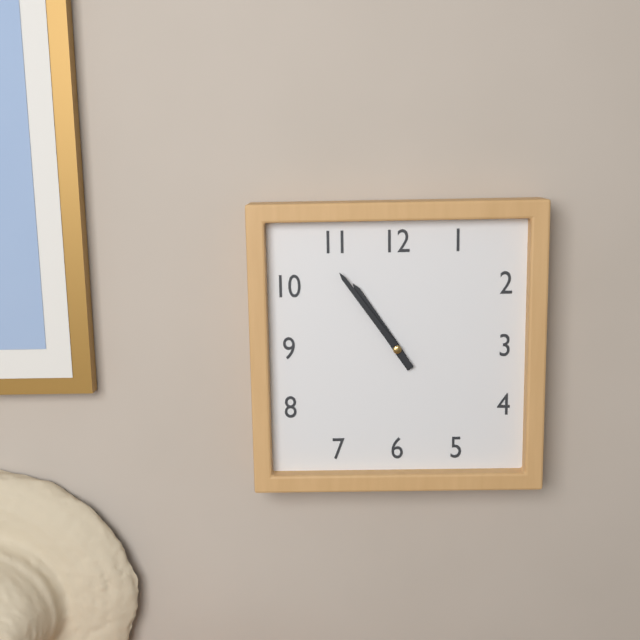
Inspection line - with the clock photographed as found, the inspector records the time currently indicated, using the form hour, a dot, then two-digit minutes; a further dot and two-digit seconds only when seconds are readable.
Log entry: 10.54
